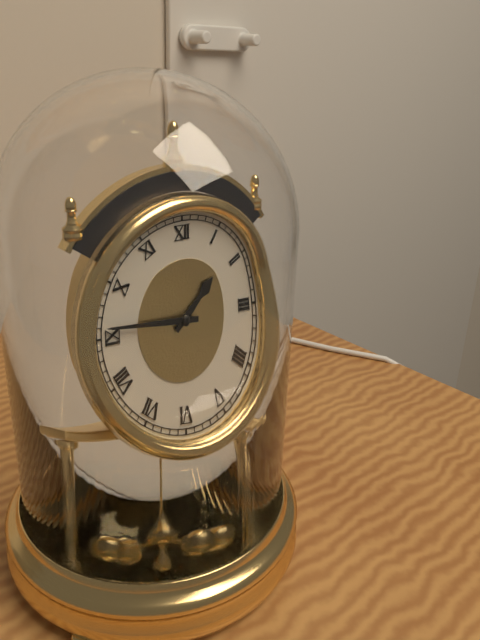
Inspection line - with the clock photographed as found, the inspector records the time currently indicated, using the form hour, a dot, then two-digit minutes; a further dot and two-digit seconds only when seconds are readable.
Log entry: 1.46
